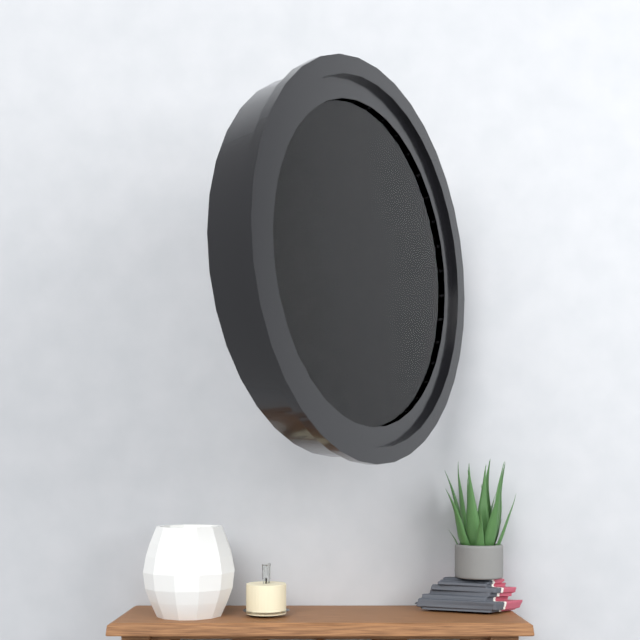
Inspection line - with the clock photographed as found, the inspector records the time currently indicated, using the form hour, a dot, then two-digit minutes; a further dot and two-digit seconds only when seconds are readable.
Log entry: 8.04.53
